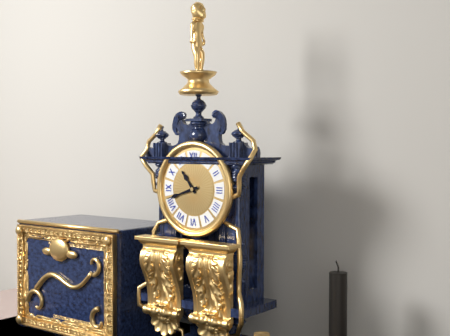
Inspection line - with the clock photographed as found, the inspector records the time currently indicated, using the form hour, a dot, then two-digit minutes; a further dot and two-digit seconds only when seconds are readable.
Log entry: 10.42
